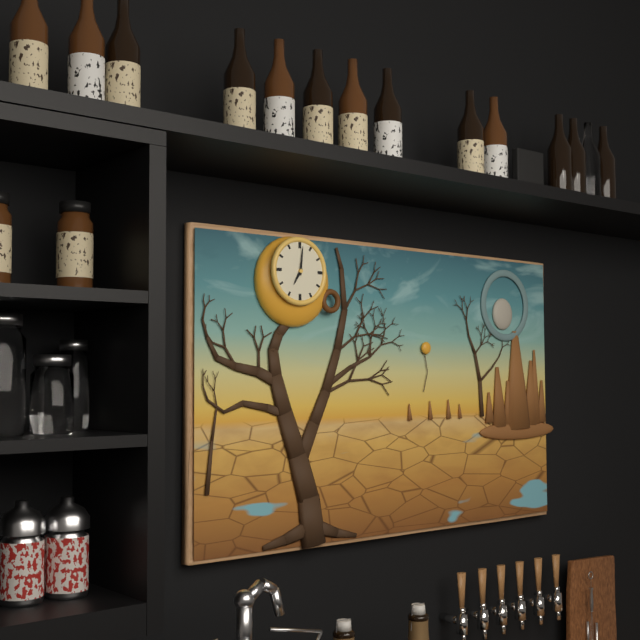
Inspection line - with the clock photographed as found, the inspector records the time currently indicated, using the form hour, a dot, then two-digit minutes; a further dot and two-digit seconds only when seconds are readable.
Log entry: 7.01
